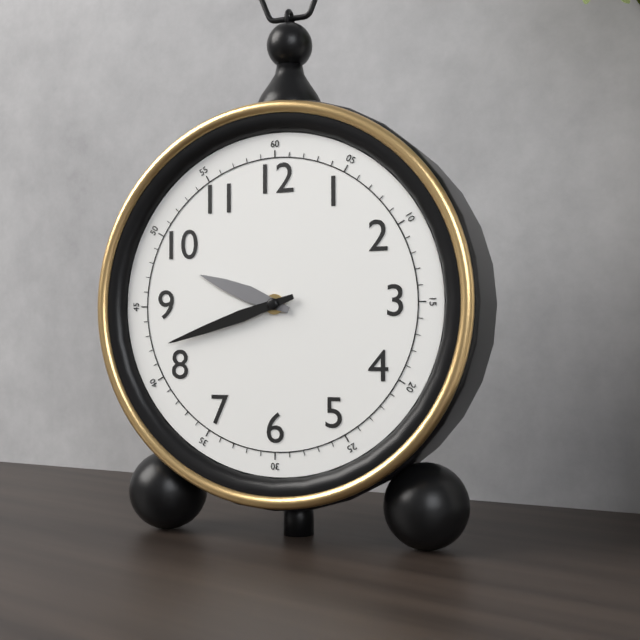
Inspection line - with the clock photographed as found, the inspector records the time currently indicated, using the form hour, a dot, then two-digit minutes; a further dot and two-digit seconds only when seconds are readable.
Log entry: 9.42
